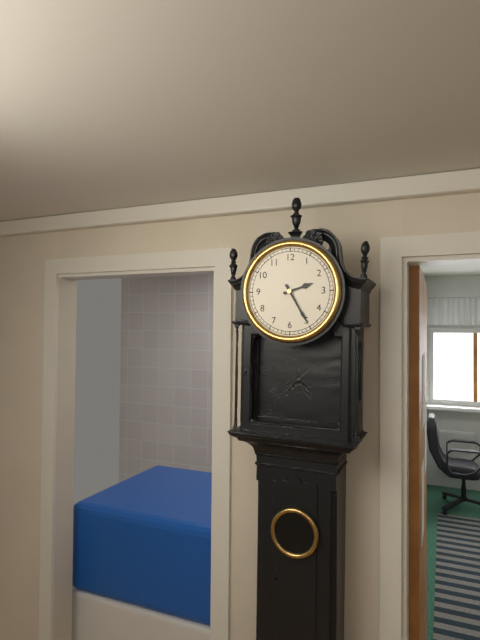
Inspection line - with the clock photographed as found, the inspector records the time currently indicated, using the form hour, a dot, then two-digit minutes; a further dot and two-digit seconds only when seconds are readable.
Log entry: 2.25
